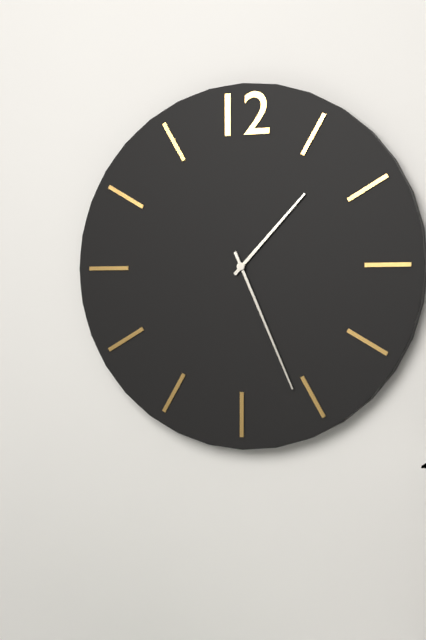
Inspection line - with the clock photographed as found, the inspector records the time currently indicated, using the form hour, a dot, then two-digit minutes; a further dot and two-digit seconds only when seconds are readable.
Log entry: 1.26
